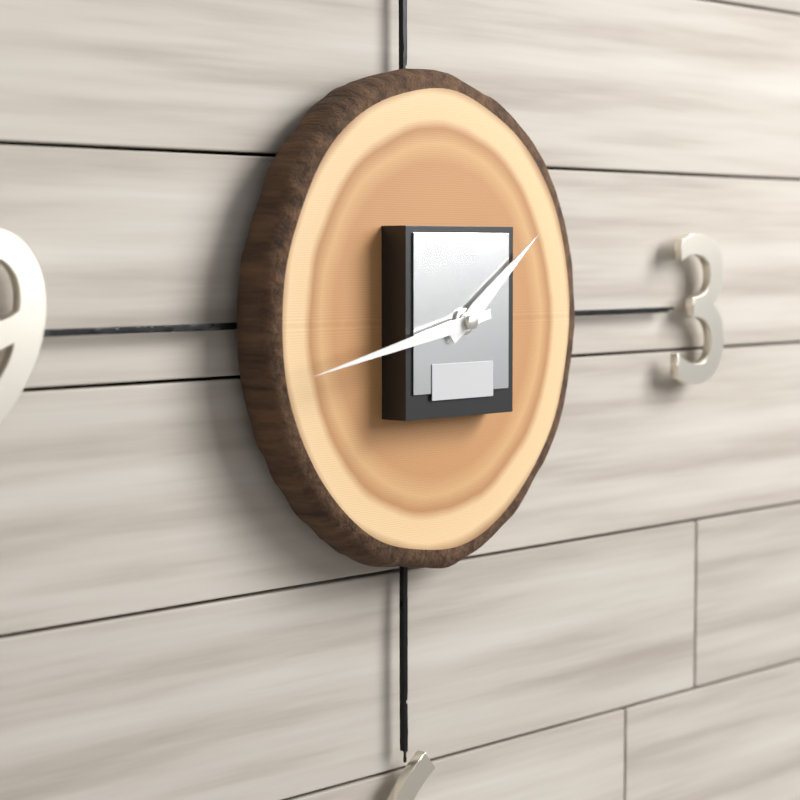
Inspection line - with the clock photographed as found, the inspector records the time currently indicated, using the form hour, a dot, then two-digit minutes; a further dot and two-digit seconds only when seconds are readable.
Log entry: 1.43
